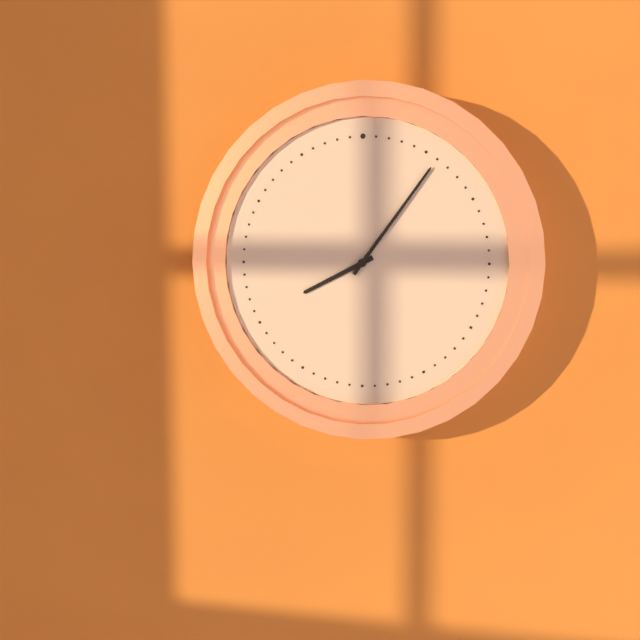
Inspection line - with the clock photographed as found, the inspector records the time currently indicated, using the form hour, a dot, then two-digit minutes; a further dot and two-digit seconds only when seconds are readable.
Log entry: 8.06
